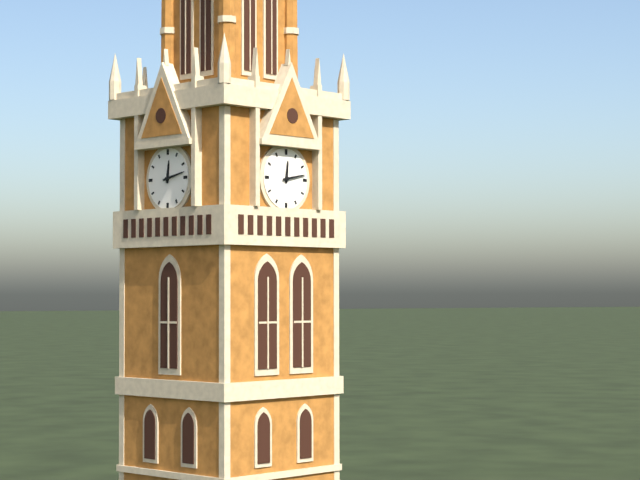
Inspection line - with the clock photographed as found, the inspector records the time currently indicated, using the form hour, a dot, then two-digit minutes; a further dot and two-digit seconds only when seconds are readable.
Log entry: 12.13
